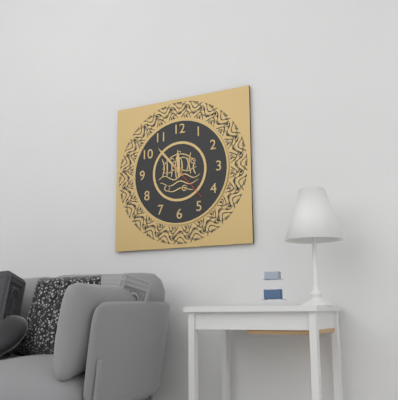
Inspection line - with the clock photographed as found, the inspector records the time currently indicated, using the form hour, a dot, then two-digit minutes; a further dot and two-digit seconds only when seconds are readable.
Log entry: 11.53
